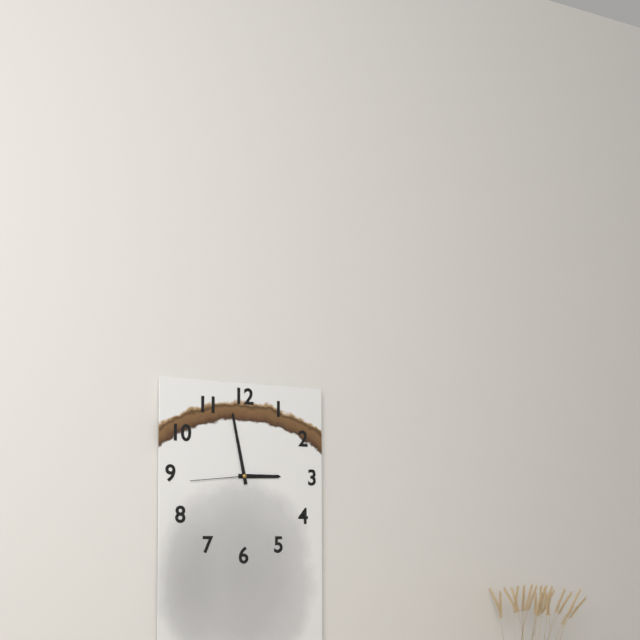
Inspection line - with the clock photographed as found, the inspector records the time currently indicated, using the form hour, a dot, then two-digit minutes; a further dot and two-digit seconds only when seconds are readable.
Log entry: 2.58.44
